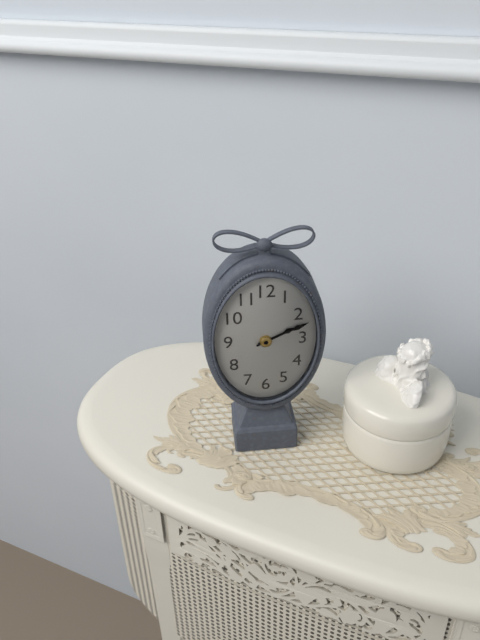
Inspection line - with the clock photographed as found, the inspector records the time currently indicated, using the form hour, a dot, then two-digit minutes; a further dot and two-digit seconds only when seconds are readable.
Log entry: 2.11
